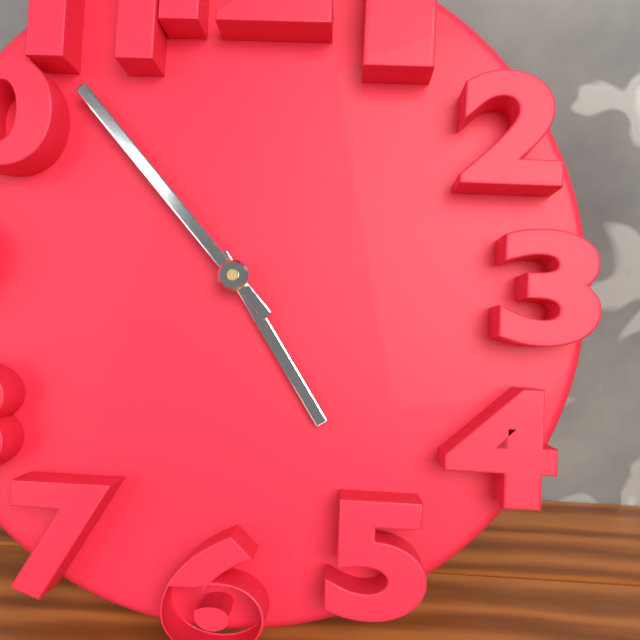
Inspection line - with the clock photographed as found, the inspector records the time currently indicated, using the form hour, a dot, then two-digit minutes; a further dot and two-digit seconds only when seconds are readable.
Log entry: 4.53
